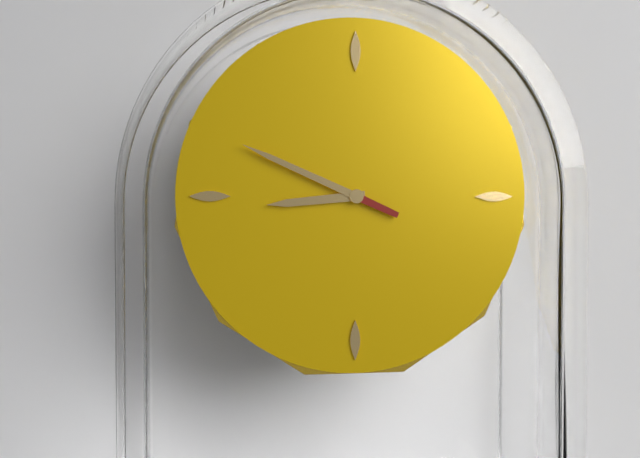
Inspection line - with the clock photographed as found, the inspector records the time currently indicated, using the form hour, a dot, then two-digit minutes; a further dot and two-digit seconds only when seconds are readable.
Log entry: 8.49
